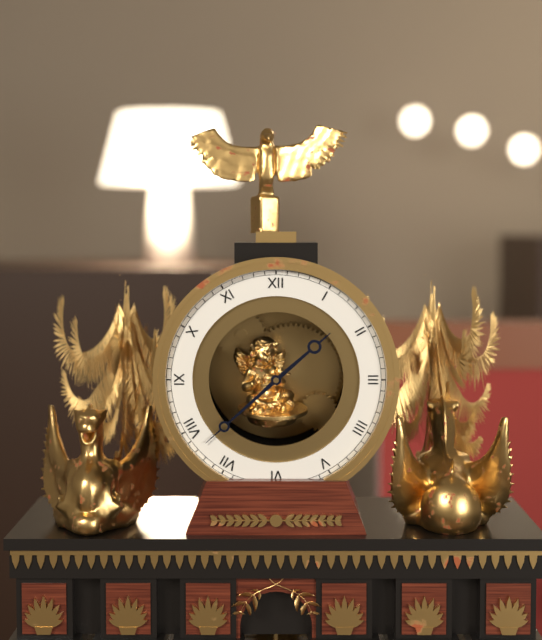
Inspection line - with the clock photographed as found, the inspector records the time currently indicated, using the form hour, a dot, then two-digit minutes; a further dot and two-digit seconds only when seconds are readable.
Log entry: 1.38
